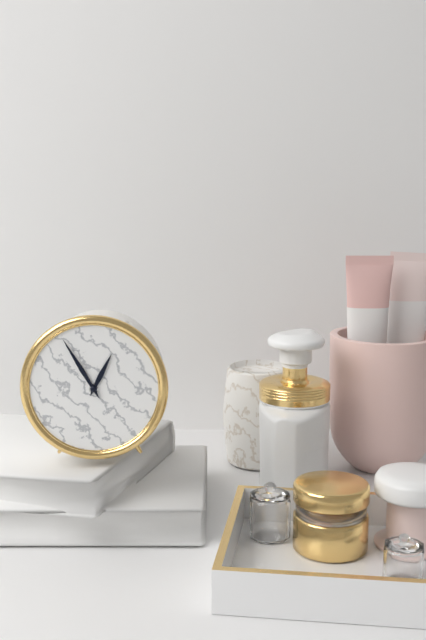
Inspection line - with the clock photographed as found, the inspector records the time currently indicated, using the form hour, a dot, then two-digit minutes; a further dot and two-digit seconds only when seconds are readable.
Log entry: 12.55
